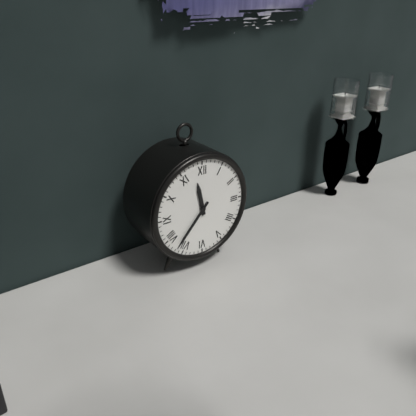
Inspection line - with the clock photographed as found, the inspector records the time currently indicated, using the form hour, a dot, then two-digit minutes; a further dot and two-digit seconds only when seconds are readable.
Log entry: 11.37
